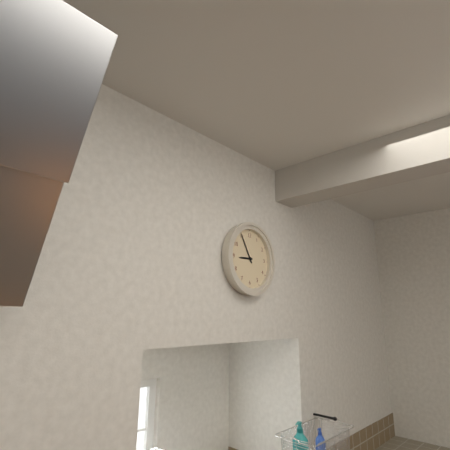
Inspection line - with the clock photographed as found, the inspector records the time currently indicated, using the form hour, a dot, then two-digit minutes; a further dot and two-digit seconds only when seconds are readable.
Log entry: 8.55
